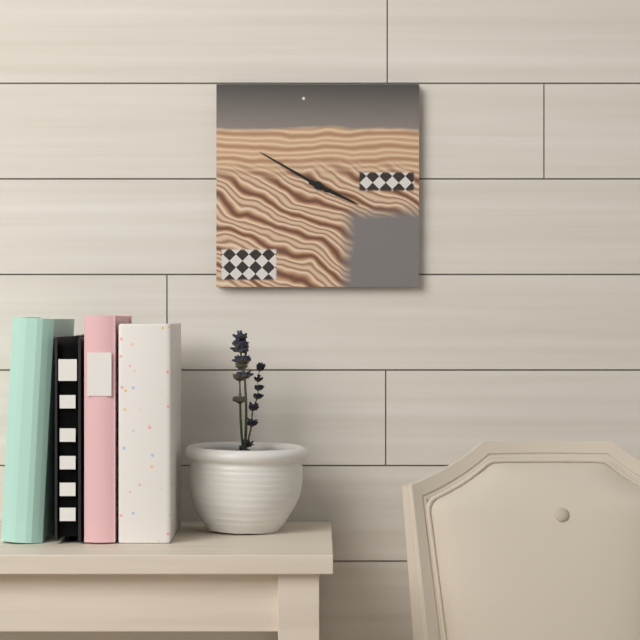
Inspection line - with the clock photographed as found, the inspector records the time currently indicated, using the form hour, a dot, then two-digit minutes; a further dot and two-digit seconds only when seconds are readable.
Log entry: 3.50
